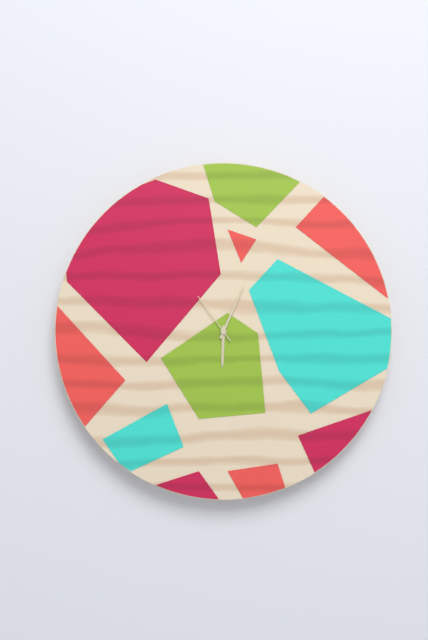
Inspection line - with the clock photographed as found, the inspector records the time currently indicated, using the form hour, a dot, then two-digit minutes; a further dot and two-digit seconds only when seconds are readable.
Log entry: 6.04.54
